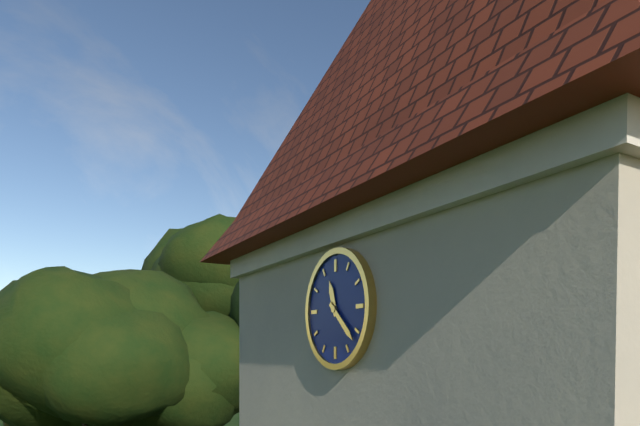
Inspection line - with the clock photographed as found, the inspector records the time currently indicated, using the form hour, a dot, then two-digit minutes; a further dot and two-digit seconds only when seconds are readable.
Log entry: 11.22
